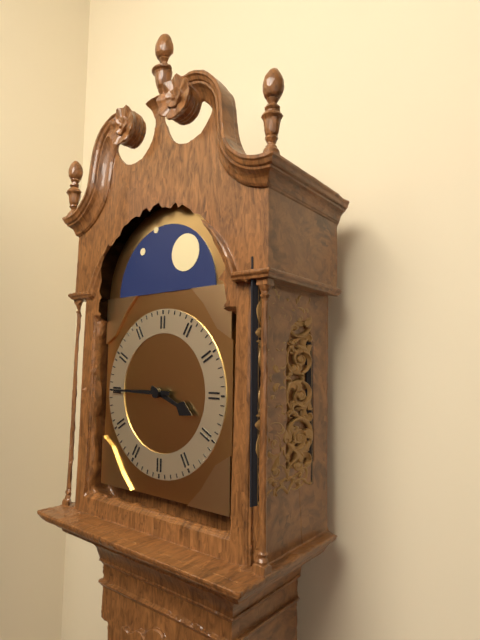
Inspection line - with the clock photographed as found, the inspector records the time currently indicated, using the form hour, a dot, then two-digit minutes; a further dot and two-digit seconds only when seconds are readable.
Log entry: 3.45
